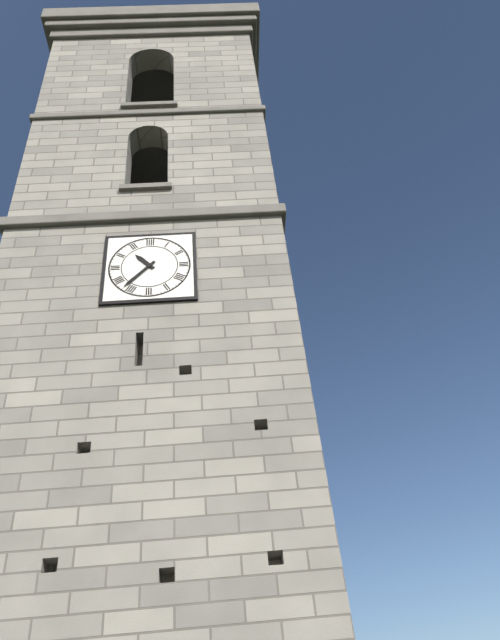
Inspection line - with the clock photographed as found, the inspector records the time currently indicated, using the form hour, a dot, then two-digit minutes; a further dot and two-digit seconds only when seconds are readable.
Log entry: 10.37
